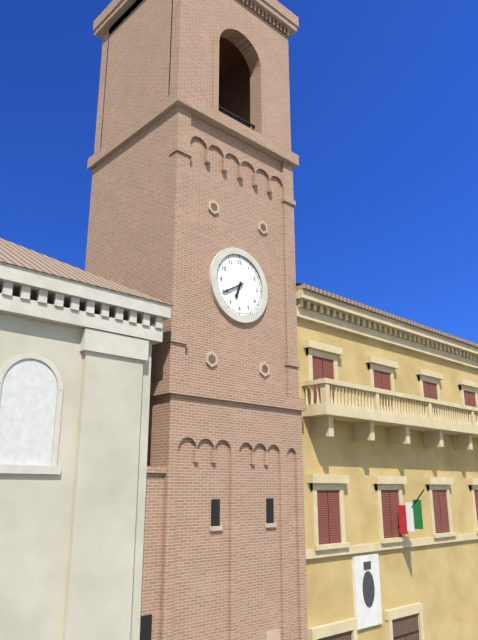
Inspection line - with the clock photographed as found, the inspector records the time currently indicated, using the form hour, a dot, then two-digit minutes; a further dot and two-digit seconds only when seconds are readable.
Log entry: 6.40
